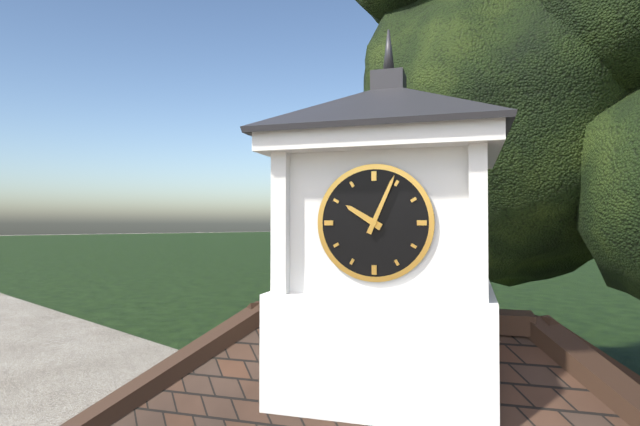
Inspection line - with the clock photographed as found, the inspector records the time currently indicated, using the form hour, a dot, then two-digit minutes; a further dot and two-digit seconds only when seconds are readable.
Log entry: 10.04
